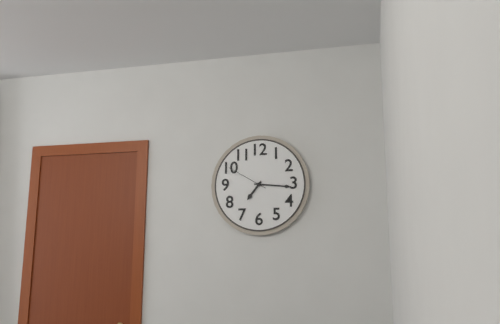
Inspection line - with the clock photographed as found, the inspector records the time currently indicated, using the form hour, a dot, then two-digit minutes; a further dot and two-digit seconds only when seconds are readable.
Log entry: 7.16
